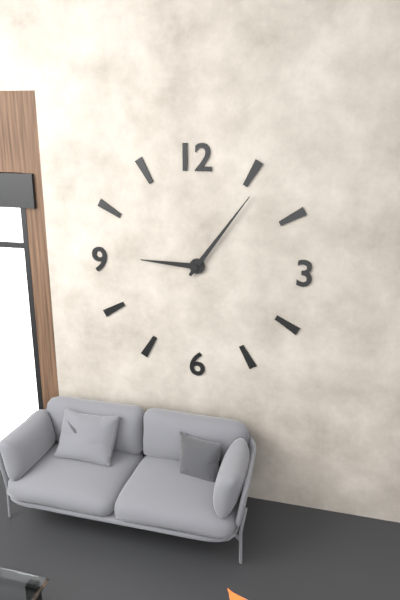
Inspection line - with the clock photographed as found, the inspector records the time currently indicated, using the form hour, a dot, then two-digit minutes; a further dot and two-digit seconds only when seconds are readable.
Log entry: 9.06
